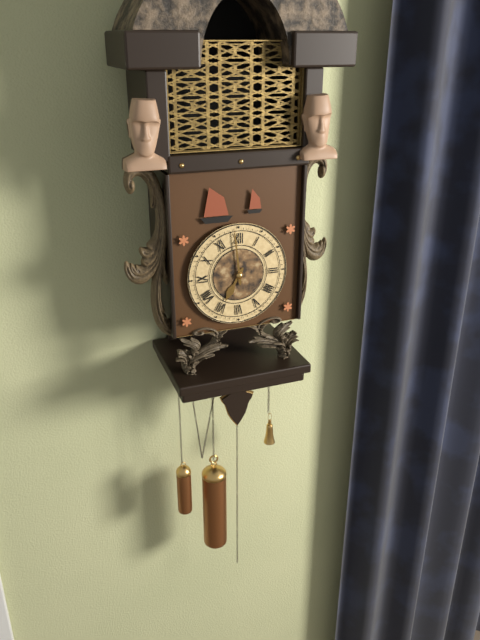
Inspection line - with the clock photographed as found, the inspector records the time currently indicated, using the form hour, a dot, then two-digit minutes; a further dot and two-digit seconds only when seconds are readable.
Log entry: 6.59
